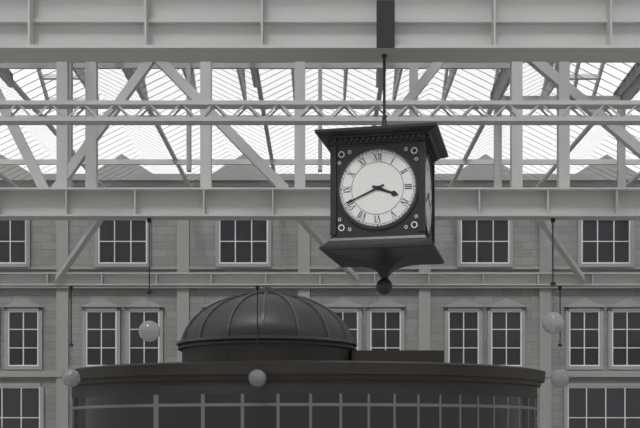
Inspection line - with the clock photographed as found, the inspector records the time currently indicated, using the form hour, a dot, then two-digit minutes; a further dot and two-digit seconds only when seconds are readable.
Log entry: 3.41
